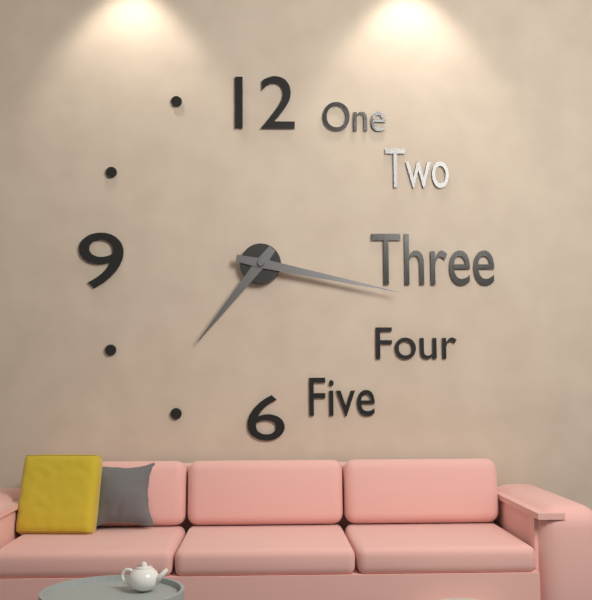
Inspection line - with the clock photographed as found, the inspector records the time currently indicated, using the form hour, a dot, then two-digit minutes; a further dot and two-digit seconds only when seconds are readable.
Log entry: 7.17
